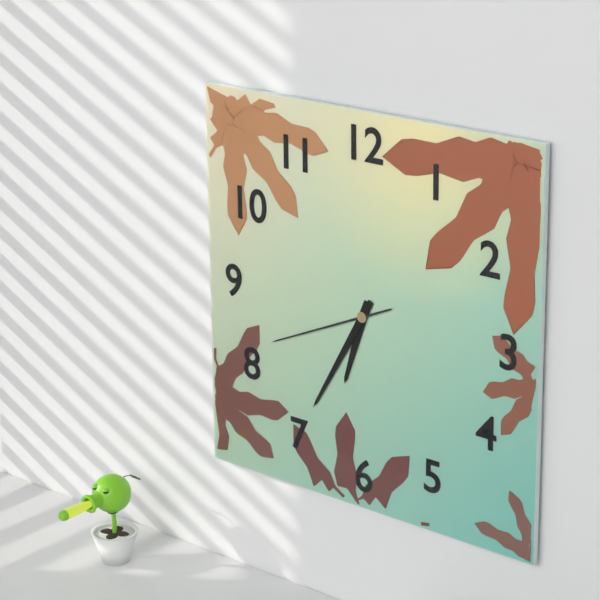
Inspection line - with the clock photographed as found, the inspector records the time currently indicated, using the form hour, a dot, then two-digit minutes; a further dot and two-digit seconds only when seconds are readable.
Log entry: 6.35.41
